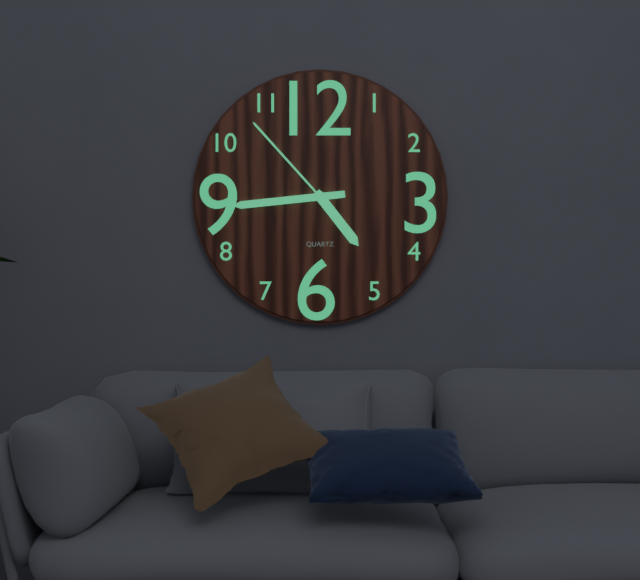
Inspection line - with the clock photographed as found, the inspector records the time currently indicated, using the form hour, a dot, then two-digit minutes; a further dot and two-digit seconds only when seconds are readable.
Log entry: 4.44.53
